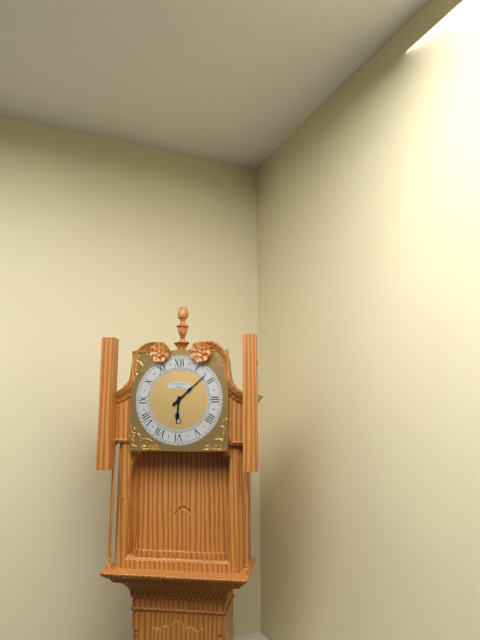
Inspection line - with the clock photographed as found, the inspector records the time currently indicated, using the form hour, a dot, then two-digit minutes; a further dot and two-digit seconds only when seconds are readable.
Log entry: 6.08
